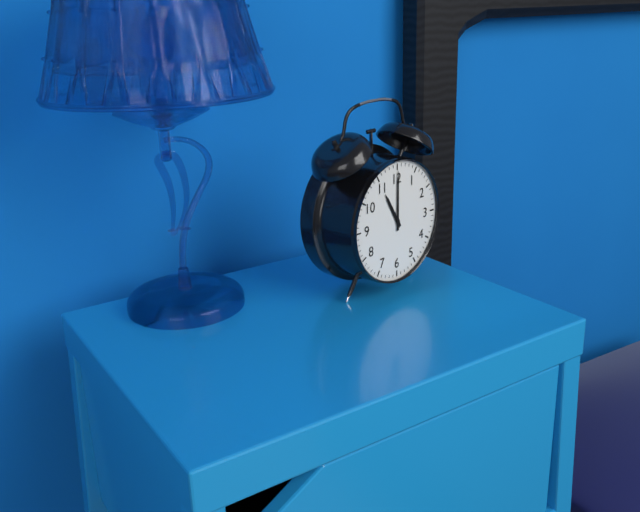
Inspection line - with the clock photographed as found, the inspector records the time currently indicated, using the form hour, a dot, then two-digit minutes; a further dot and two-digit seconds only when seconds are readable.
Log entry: 11.00
